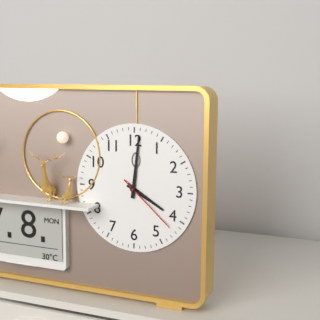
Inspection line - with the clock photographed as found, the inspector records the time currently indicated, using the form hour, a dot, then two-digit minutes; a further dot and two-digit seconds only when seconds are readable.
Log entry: 4.01.22
